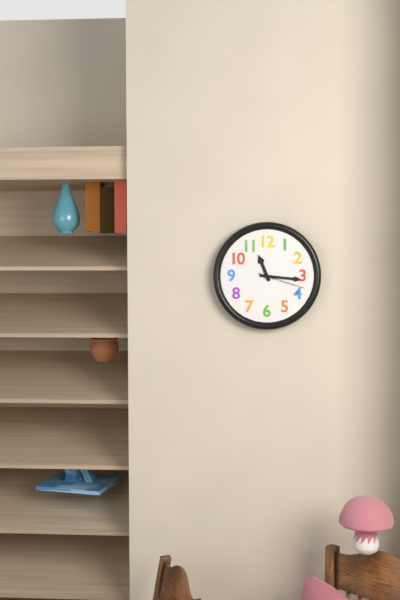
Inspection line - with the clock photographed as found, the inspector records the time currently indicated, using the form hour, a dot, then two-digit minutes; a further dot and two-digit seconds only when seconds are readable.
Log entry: 11.16
